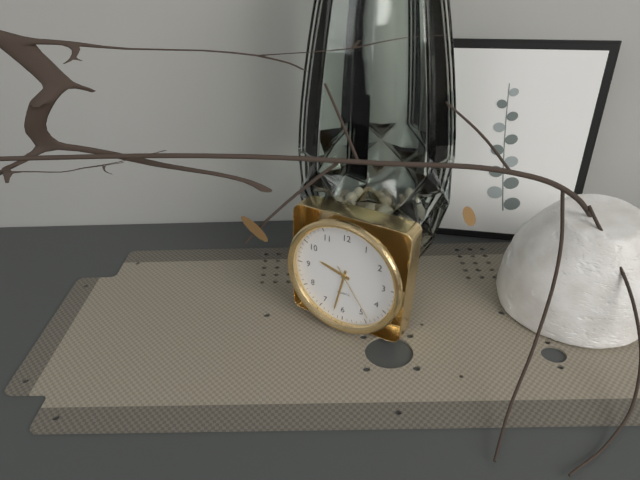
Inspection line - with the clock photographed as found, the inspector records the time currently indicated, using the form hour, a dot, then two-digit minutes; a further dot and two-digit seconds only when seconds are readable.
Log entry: 9.32.24
